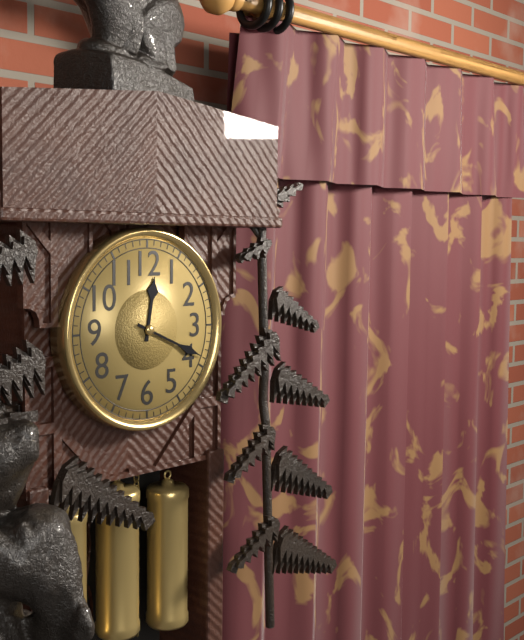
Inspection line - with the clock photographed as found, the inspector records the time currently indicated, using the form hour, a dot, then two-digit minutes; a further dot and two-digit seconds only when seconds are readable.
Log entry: 12.19
